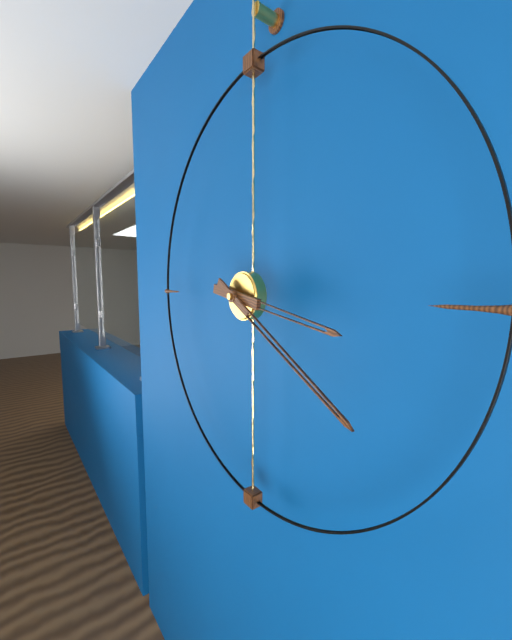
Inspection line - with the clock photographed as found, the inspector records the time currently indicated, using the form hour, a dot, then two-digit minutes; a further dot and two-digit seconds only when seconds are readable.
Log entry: 3.20
